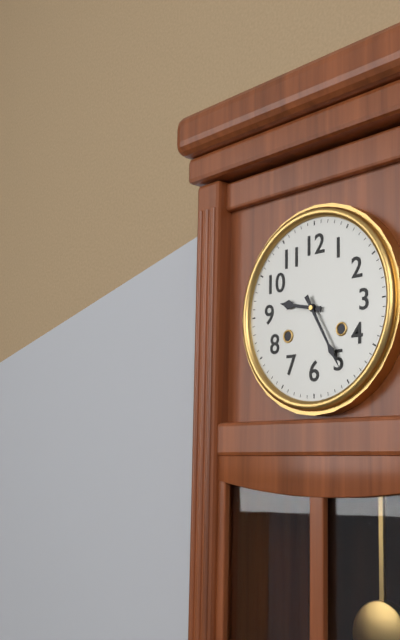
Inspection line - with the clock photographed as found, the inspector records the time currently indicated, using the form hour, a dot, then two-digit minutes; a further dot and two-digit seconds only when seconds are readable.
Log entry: 9.25
